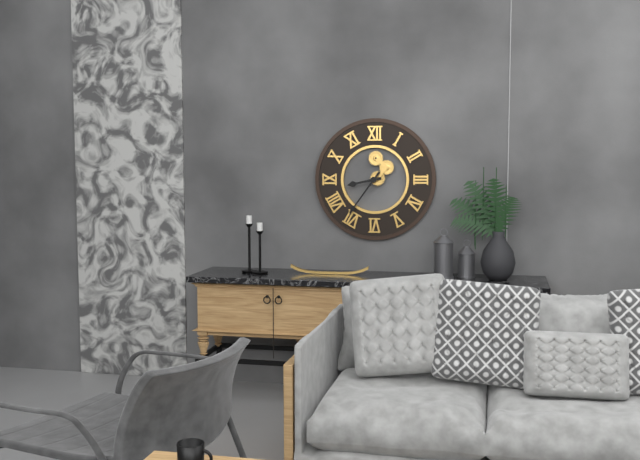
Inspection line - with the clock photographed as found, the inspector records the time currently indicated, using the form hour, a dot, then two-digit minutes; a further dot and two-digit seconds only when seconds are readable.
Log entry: 8.36
